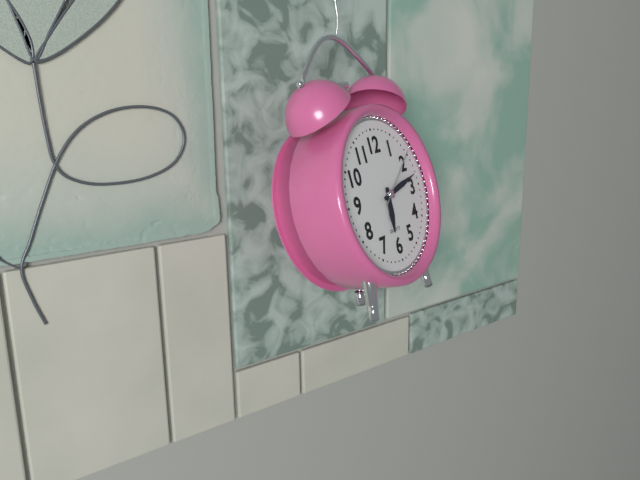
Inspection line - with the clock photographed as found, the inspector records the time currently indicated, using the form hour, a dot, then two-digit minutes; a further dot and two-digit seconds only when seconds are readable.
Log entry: 6.13.09
